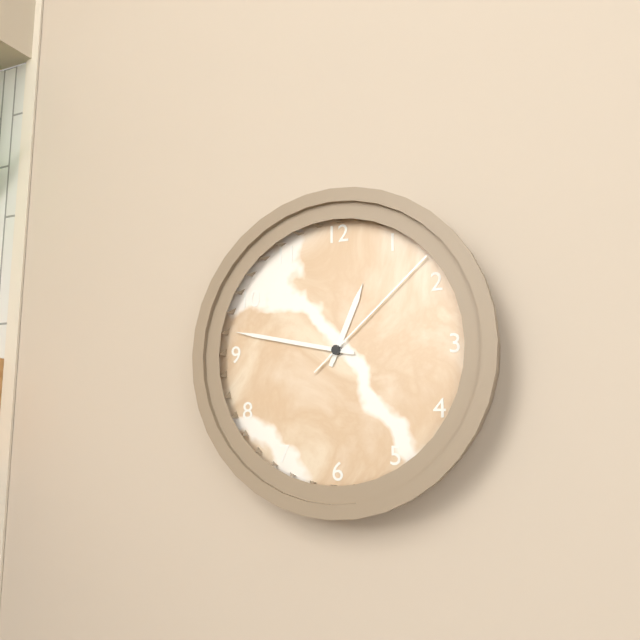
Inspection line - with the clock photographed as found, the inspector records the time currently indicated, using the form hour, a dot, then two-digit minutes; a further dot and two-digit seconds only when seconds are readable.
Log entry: 12.47.08
